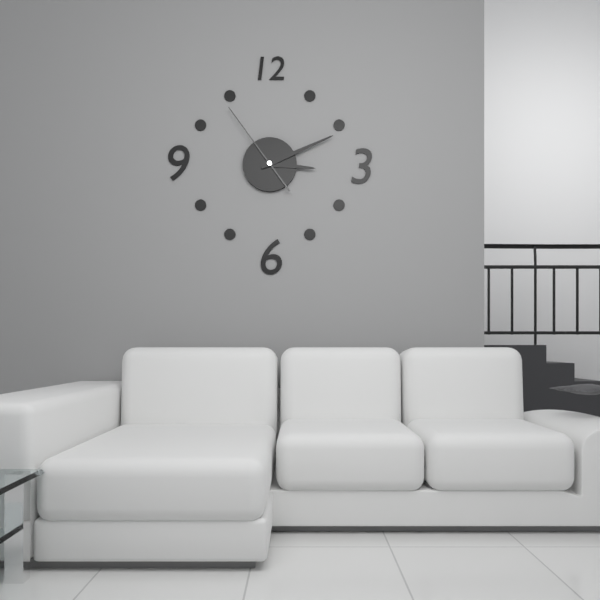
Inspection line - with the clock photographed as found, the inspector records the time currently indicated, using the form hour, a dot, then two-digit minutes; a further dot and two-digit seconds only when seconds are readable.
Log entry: 3.11.54
